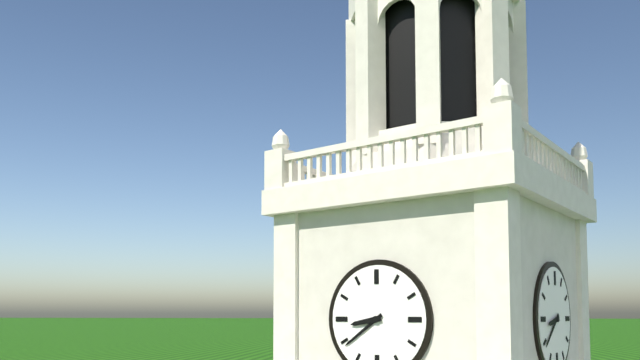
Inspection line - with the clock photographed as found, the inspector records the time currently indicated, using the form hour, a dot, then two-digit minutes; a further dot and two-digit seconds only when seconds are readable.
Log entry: 8.39
